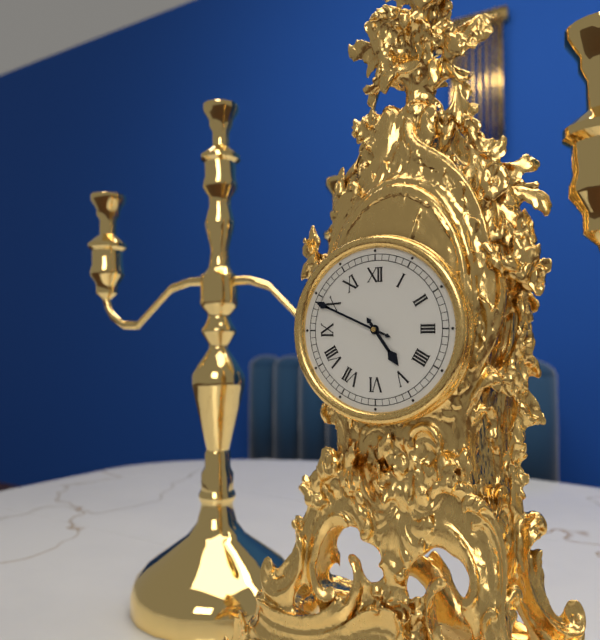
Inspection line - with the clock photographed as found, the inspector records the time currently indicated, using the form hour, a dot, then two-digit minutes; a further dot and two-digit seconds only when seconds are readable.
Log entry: 4.49
